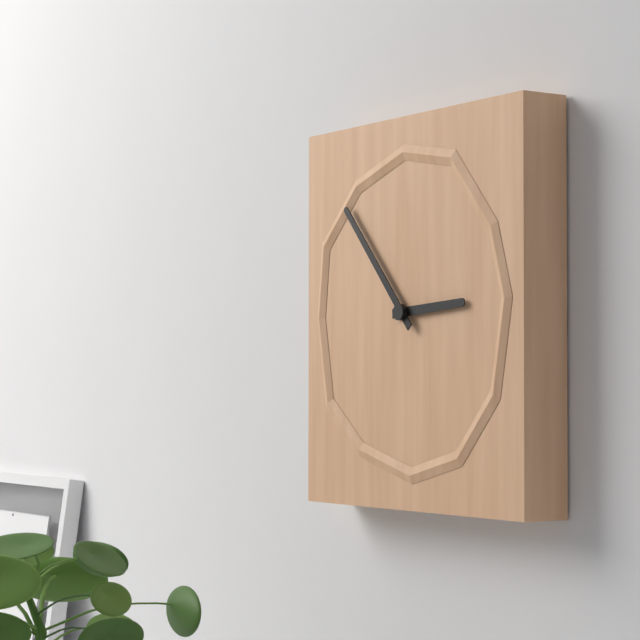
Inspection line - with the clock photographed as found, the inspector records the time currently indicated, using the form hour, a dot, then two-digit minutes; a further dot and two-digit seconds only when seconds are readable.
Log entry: 2.53
